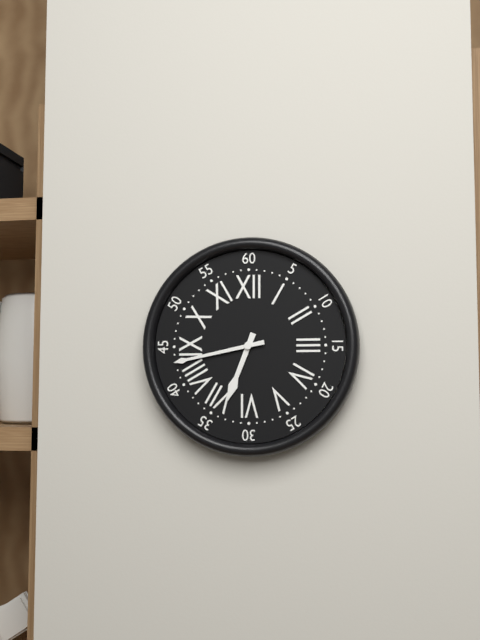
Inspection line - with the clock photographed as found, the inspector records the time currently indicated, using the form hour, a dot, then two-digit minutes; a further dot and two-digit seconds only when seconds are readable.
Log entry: 6.43
